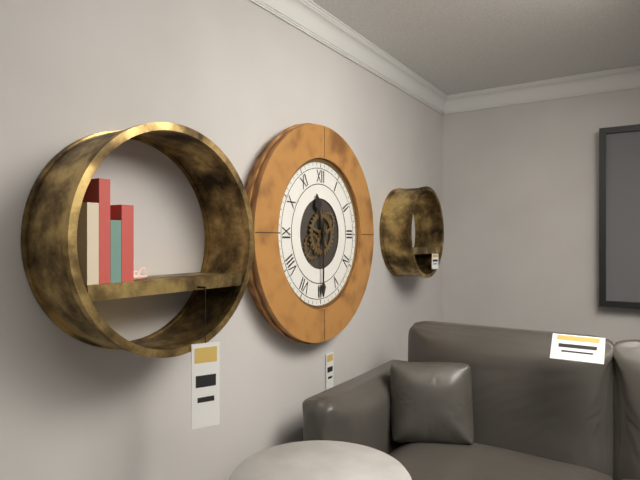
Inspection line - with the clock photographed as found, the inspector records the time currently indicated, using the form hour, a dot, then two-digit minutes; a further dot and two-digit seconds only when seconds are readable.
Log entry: 11.30
